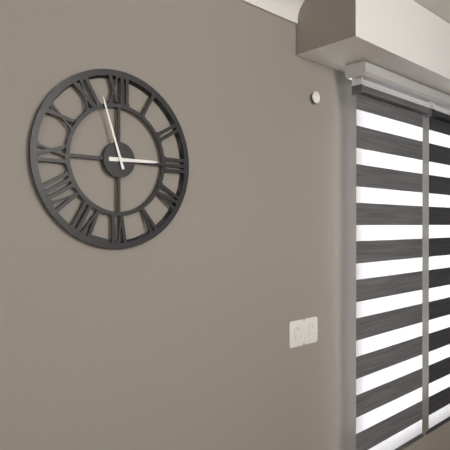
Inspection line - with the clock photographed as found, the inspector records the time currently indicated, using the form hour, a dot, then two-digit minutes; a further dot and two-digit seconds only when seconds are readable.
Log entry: 2.57
